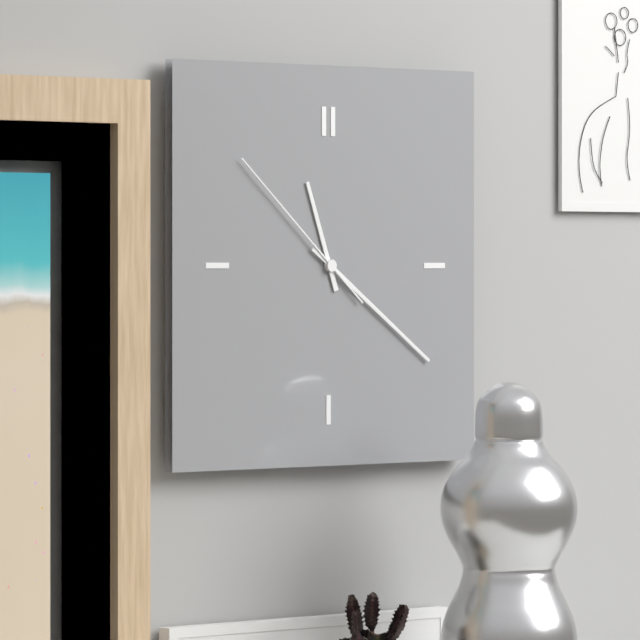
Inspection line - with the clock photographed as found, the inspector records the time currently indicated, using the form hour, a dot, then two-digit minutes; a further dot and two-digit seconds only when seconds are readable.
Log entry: 11.21.52
